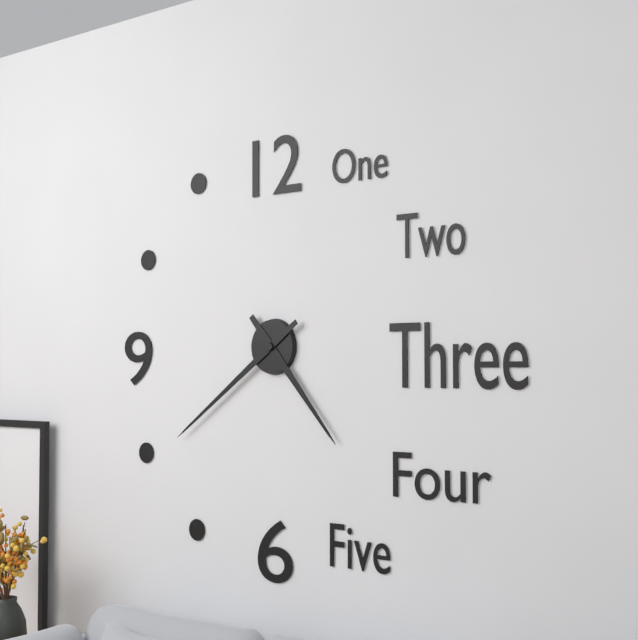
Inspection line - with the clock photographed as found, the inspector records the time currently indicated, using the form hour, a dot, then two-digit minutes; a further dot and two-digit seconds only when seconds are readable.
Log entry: 4.39
